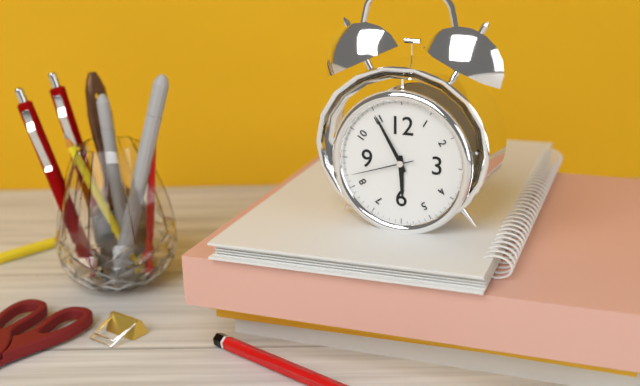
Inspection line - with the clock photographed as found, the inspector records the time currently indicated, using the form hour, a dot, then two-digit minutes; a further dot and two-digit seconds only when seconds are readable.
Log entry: 5.55.42
